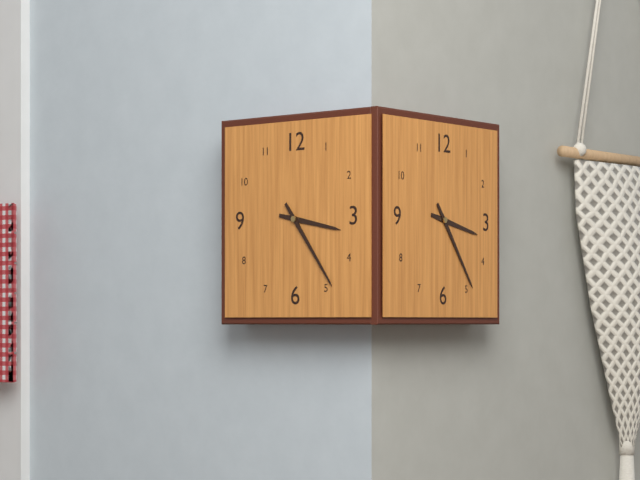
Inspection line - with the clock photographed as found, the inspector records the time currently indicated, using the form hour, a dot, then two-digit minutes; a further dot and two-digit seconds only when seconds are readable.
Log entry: 3.24
